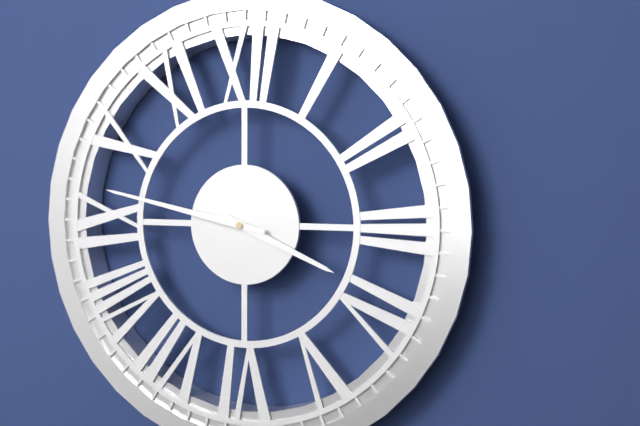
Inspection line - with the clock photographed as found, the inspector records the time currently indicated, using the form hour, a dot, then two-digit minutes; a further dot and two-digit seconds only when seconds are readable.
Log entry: 3.47
